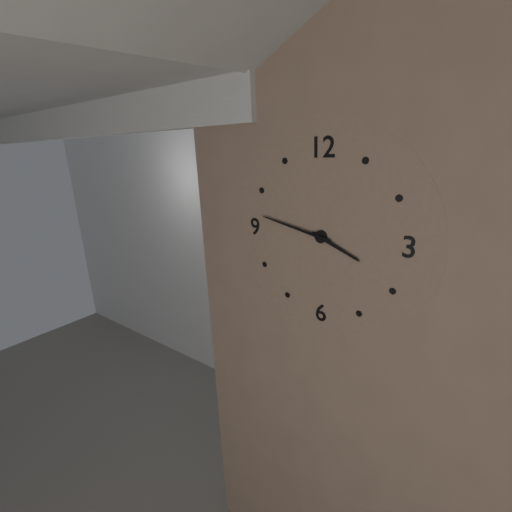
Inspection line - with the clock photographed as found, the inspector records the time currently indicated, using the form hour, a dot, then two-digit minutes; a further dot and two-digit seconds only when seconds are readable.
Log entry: 3.47
